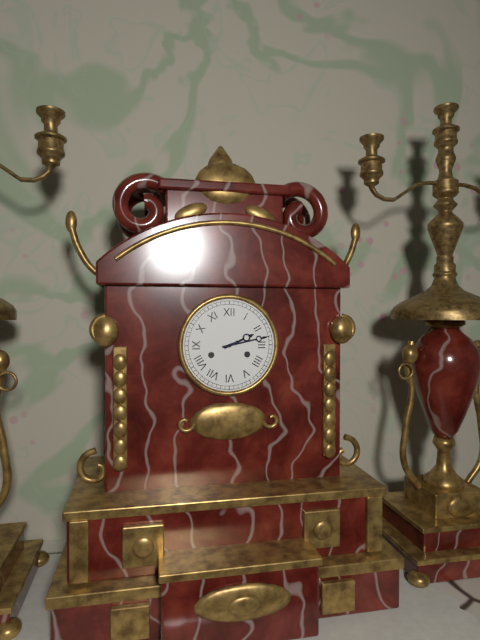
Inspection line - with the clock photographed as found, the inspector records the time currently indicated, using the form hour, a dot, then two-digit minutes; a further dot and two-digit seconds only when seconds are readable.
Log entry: 2.13
